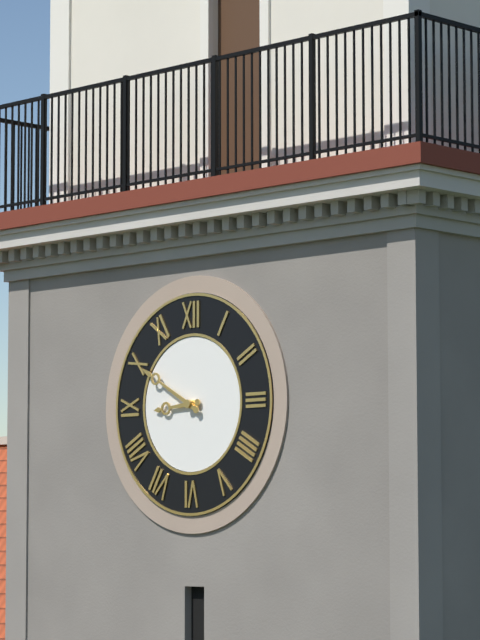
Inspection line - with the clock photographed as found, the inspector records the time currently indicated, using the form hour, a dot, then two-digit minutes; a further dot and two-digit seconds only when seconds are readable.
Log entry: 8.50
